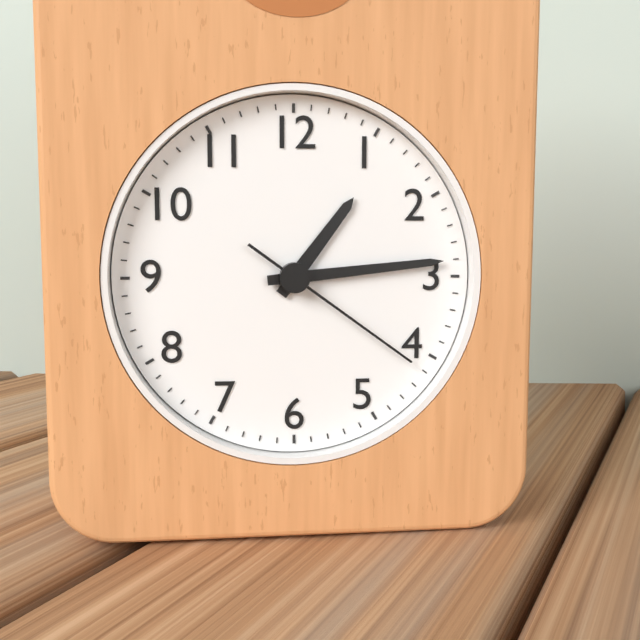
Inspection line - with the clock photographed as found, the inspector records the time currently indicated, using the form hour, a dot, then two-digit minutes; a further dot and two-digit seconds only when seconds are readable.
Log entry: 1.14.21
